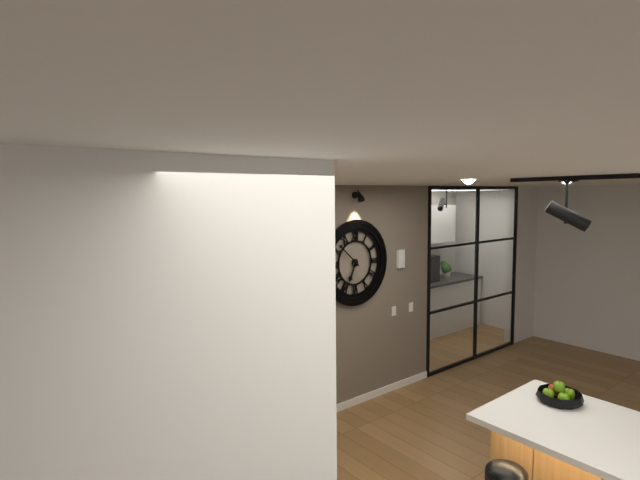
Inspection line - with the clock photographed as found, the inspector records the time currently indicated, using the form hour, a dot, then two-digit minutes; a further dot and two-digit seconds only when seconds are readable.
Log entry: 6.52
